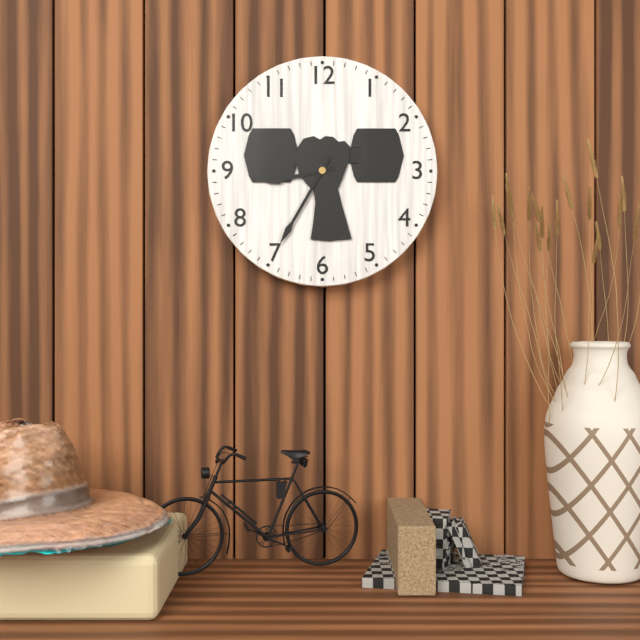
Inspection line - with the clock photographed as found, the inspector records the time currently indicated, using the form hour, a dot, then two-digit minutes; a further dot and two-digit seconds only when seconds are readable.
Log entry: 8.35
